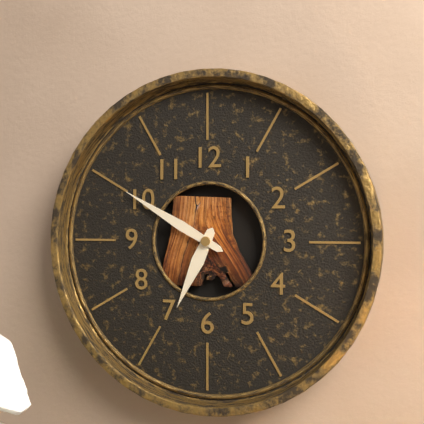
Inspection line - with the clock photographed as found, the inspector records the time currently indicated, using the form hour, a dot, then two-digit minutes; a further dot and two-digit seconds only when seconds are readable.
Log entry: 6.50
